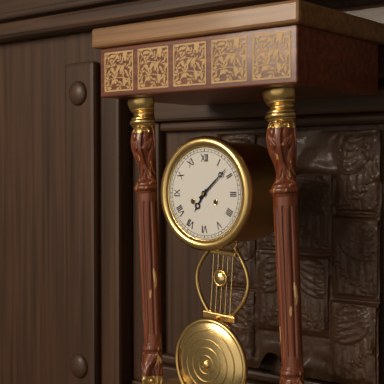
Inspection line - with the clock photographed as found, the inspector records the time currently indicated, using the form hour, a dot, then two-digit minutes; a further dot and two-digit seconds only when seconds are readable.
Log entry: 7.08
